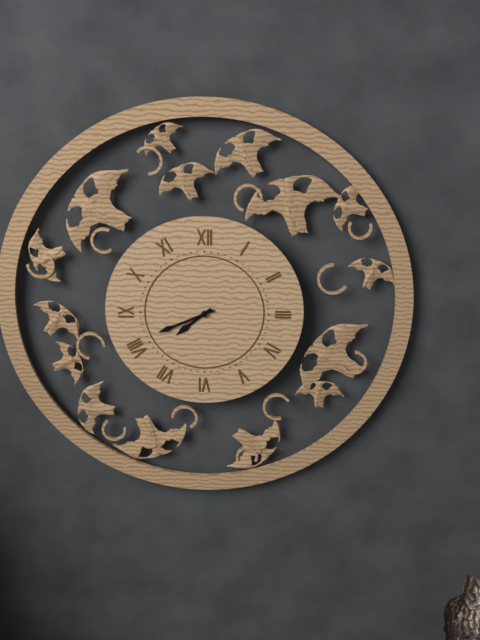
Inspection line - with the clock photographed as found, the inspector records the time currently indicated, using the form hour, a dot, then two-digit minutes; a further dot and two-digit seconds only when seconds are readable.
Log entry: 7.41
